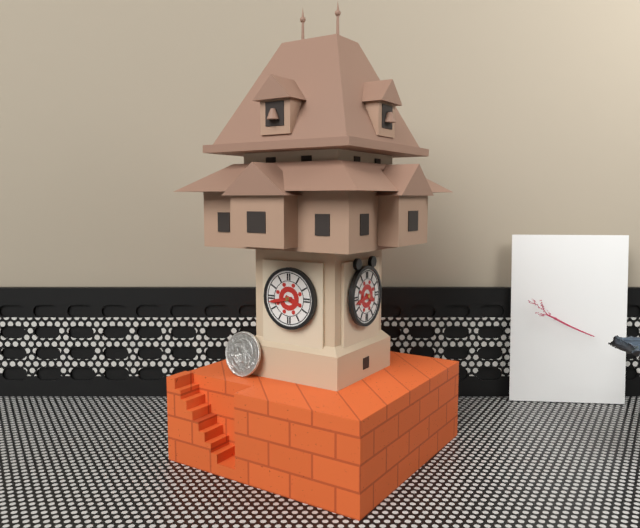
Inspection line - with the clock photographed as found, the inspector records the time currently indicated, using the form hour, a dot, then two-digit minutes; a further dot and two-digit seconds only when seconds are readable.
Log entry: 3.43
